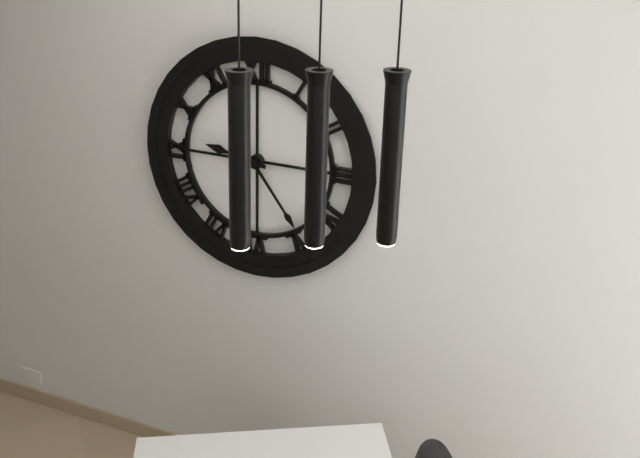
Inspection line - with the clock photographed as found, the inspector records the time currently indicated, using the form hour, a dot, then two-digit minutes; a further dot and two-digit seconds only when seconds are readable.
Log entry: 9.24
